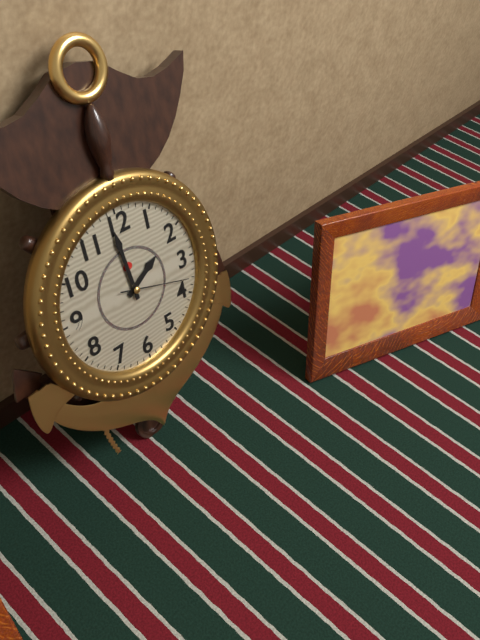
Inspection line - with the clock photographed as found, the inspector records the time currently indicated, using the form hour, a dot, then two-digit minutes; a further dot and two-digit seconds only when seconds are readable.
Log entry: 1.59.18
